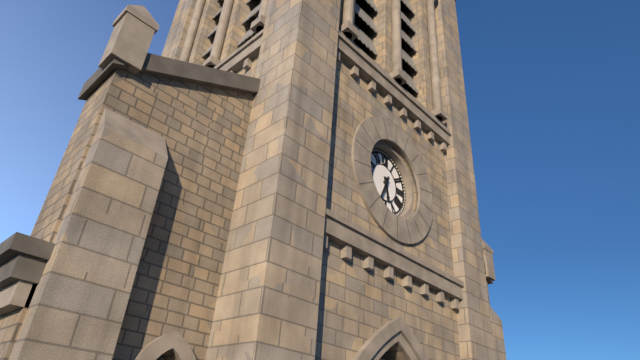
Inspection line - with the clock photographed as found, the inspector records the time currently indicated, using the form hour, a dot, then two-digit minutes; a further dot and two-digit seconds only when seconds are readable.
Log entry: 5.34
